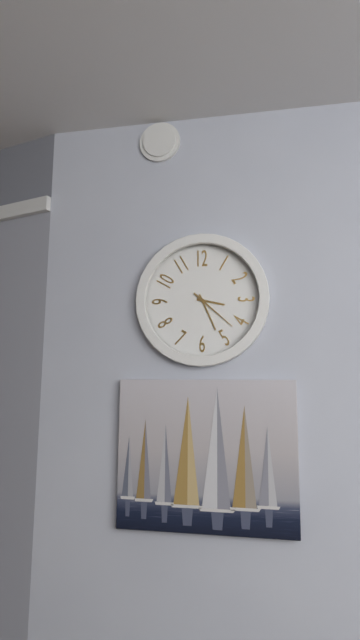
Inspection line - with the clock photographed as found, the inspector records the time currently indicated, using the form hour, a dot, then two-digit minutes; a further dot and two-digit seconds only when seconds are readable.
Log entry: 3.26
